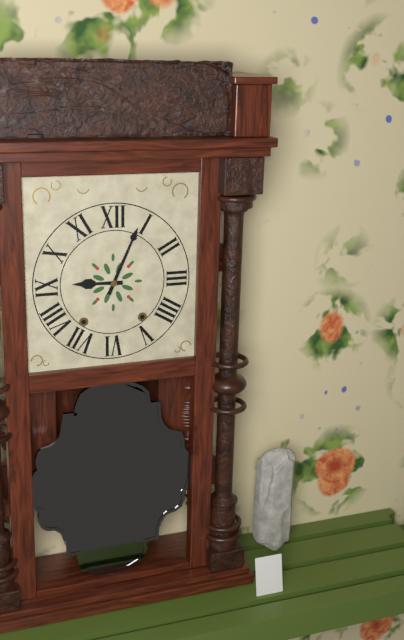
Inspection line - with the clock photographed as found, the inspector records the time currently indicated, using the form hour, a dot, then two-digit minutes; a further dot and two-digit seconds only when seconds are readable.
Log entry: 9.04
